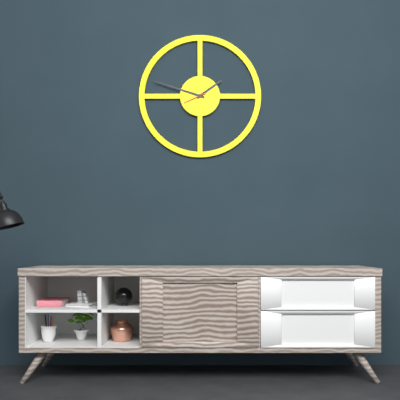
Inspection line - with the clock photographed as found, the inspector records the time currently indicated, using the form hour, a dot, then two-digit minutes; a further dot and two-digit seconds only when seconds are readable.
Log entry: 1.48
